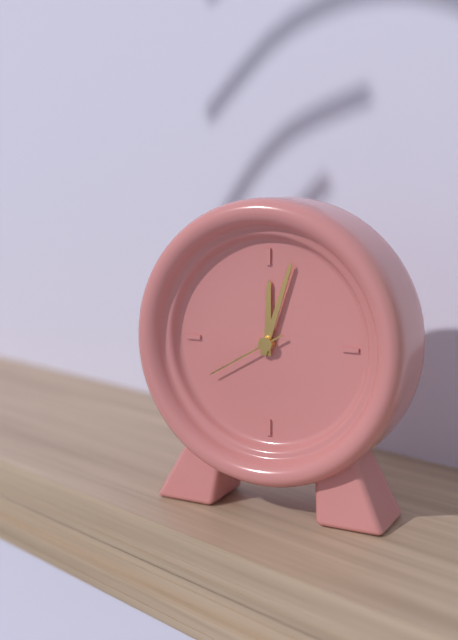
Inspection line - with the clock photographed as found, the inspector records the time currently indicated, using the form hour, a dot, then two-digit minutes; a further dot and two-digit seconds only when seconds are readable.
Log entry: 12.03.40
